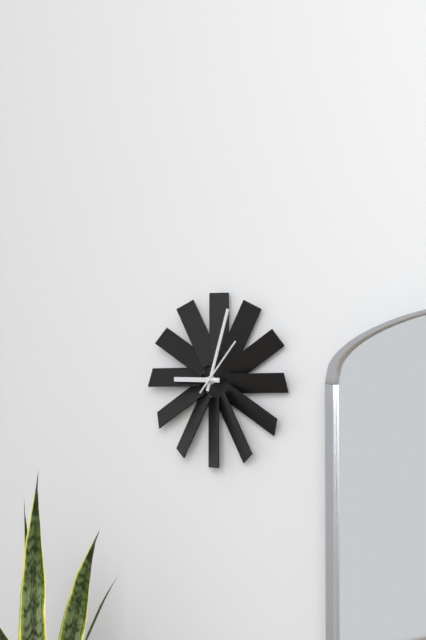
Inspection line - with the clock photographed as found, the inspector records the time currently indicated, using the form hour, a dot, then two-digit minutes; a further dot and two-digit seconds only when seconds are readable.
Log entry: 9.03.07
